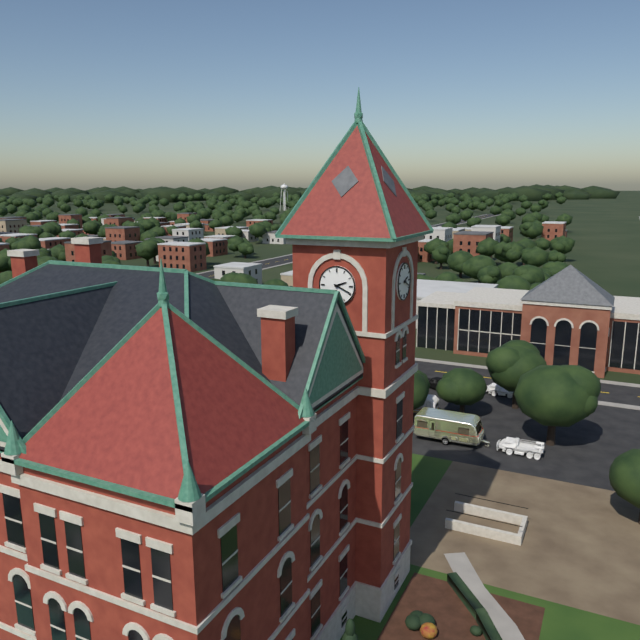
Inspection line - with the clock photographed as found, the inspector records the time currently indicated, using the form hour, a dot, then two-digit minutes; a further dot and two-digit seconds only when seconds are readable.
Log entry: 2.19
